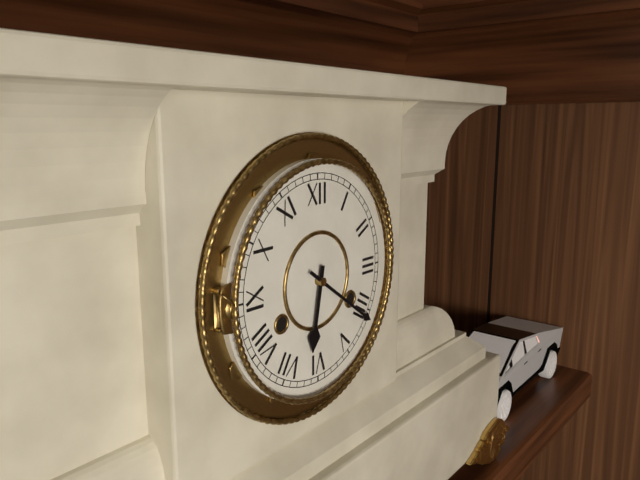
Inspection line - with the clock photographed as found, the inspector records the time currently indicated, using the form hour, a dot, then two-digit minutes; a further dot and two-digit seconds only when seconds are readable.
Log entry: 6.21
